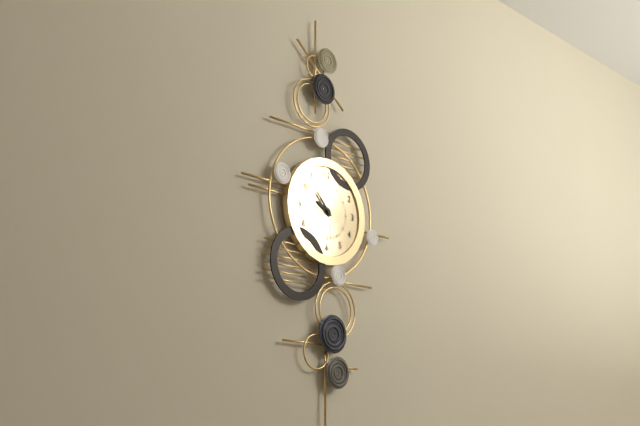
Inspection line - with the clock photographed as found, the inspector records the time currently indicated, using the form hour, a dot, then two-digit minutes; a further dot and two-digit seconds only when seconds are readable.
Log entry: 9.53
